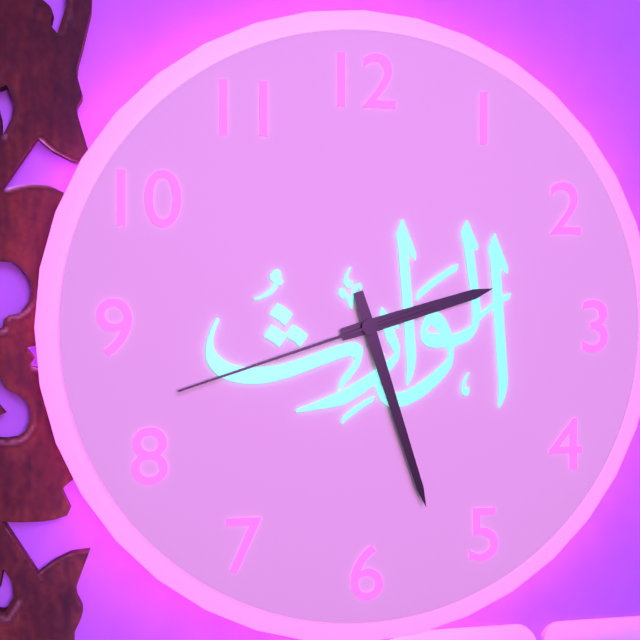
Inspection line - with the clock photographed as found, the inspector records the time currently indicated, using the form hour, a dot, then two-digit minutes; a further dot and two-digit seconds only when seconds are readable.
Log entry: 2.27.42
